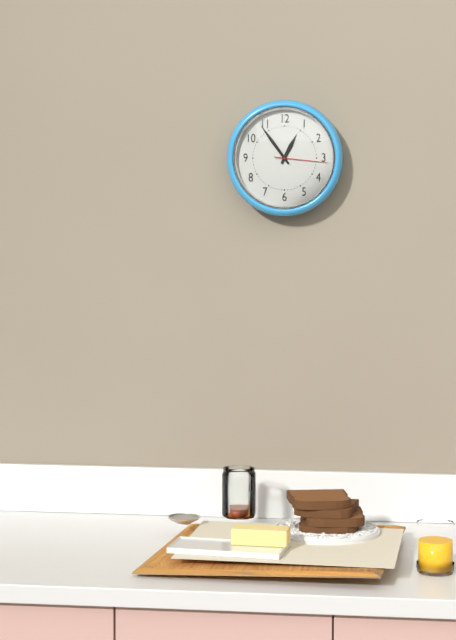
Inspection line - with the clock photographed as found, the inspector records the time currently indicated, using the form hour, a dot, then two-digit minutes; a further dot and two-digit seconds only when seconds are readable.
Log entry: 12.54.16
